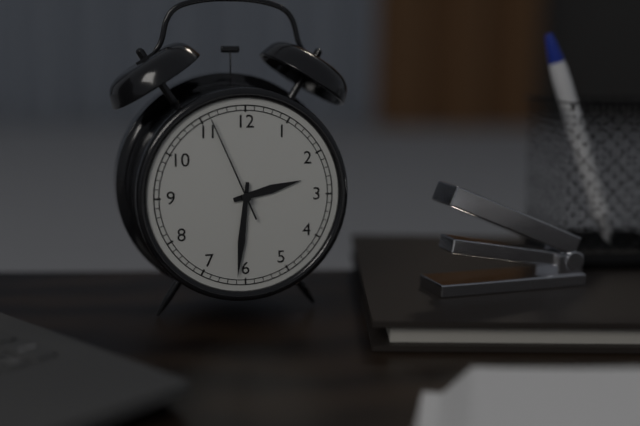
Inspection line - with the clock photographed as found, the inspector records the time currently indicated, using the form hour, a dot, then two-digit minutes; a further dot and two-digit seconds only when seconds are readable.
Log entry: 2.31.56
